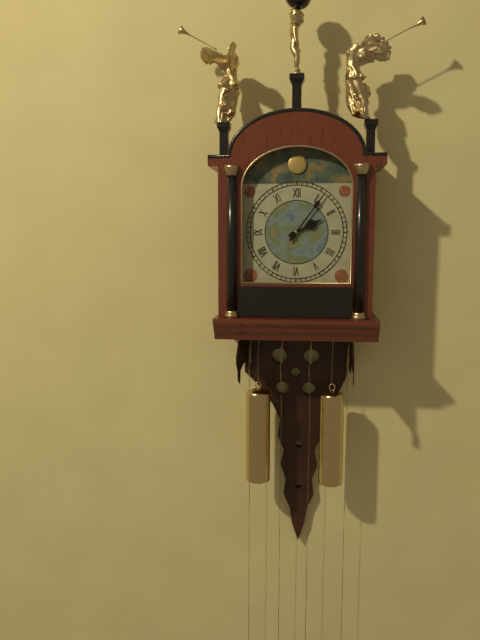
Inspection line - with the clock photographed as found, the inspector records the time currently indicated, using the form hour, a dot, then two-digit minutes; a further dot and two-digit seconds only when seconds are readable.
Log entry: 2.06
